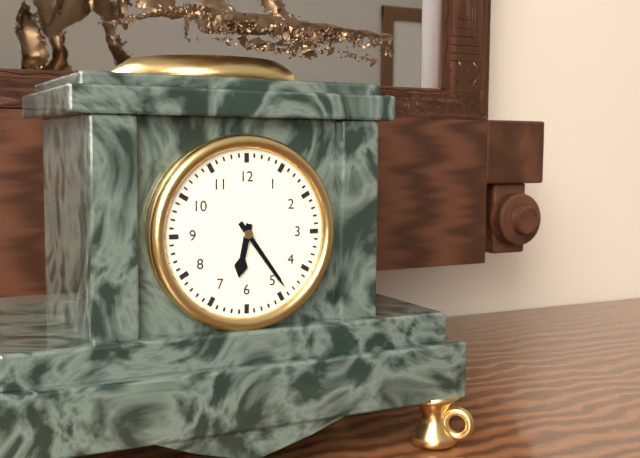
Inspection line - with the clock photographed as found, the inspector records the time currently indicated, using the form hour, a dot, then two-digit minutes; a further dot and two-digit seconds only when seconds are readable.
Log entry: 6.24
